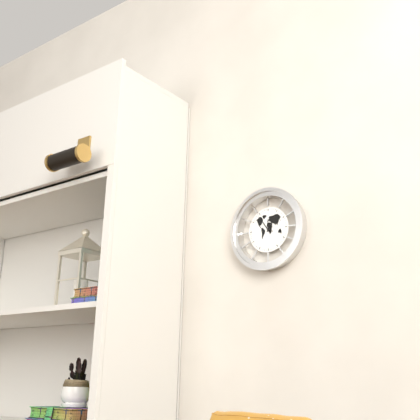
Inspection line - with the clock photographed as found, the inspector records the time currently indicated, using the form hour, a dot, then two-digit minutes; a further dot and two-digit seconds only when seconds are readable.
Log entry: 12.54
